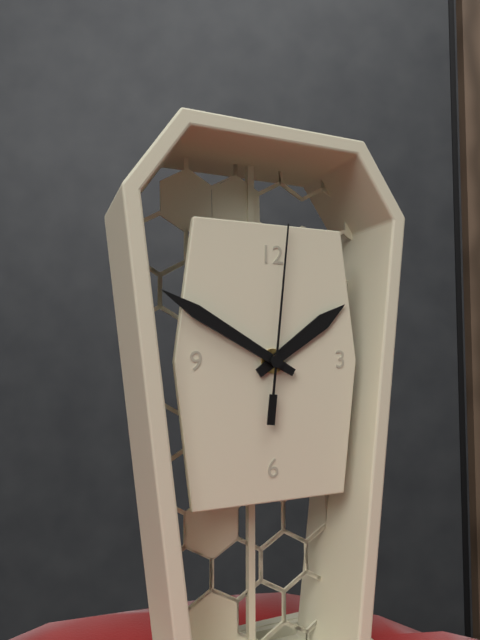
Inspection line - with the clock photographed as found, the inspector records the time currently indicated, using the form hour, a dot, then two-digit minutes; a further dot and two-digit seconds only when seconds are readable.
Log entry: 1.50.01
